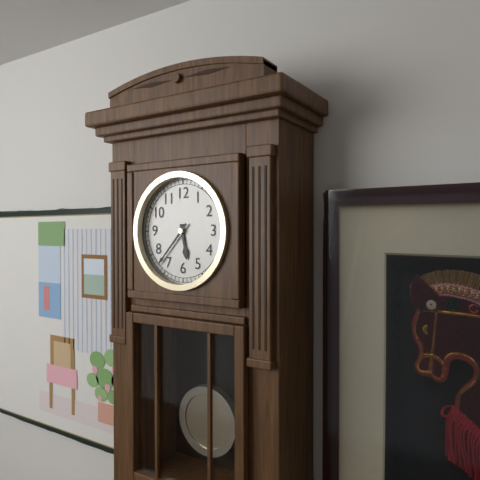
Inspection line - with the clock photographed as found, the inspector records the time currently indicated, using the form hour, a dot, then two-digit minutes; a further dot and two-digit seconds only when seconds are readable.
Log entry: 5.37
